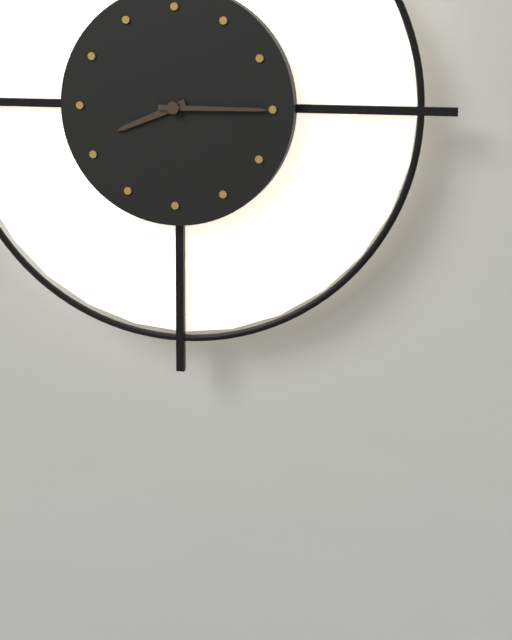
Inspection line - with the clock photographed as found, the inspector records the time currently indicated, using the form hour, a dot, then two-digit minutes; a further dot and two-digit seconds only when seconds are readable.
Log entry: 8.15
